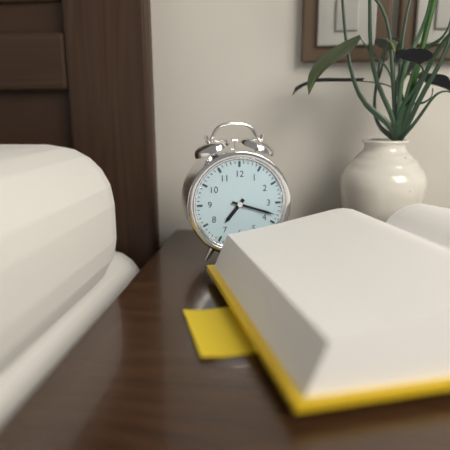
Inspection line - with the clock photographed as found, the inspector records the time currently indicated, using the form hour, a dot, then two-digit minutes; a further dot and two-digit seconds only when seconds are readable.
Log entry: 7.18
